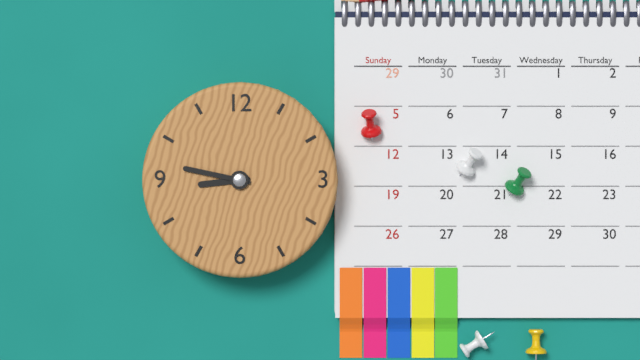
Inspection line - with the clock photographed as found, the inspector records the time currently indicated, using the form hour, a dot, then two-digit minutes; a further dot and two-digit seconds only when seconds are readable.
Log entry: 8.47
